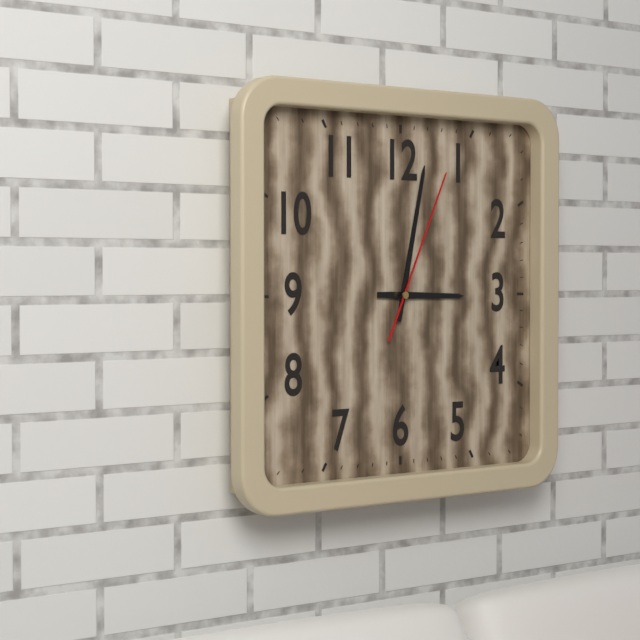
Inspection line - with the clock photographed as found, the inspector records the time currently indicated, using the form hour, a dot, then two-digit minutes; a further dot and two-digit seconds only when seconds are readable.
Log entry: 3.02.04
